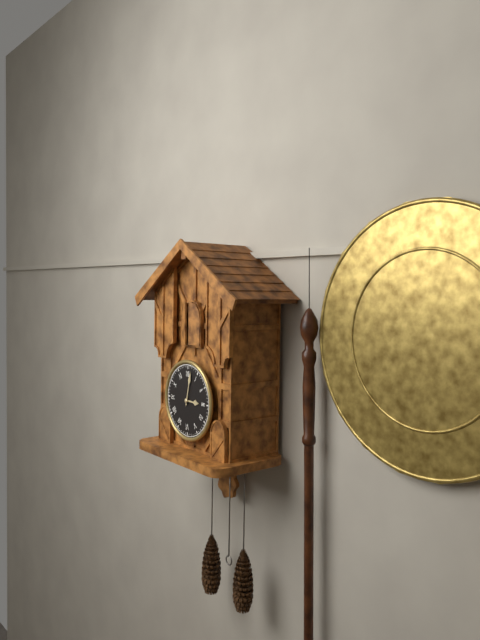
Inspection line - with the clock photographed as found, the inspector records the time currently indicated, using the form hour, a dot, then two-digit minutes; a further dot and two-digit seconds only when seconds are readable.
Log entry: 3.02
